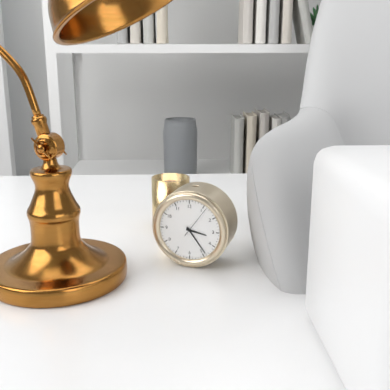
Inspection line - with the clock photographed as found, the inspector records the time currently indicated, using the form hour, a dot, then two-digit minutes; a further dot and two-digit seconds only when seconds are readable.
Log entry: 3.24
